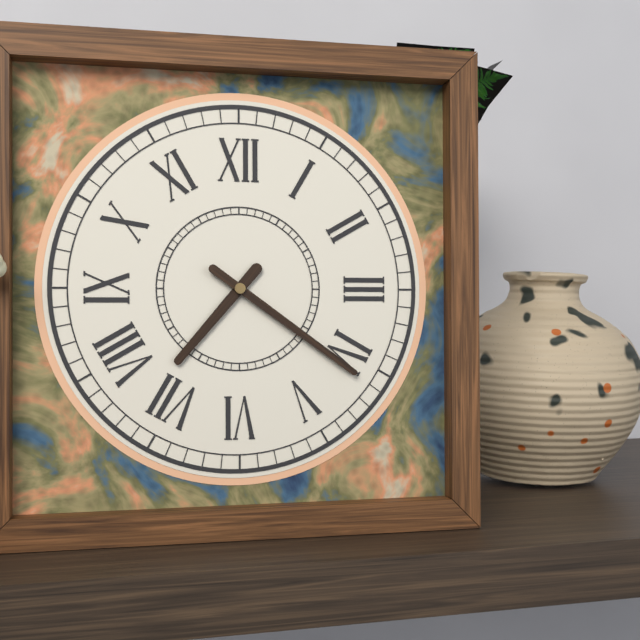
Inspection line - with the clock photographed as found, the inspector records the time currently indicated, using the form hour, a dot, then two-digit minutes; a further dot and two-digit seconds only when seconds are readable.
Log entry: 7.21
